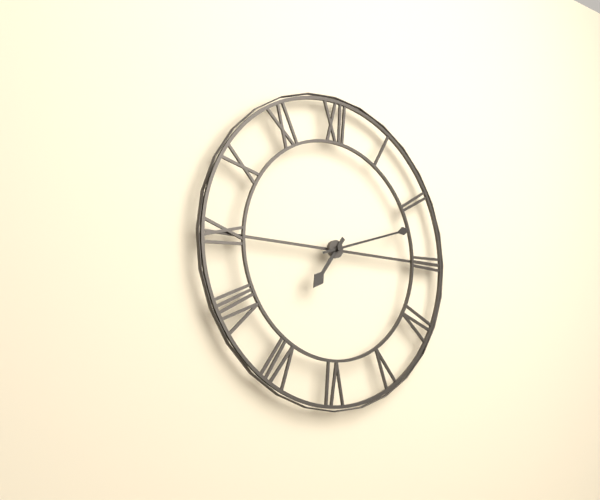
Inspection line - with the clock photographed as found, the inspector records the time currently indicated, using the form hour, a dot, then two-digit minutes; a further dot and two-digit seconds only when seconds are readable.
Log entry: 7.12
